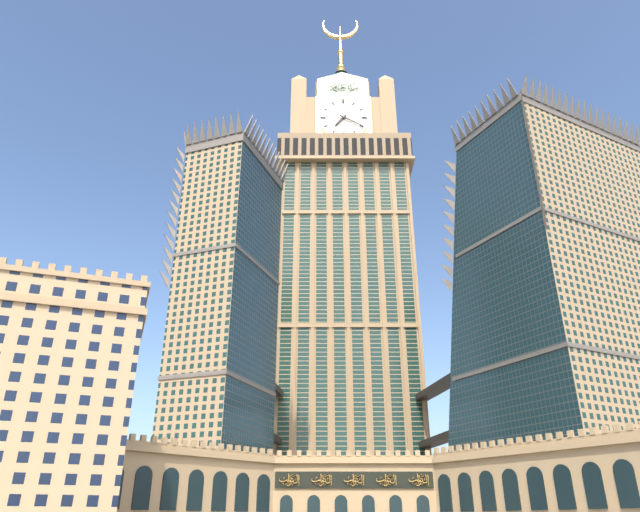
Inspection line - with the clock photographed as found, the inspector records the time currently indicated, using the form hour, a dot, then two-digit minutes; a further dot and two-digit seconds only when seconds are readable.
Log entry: 7.20
